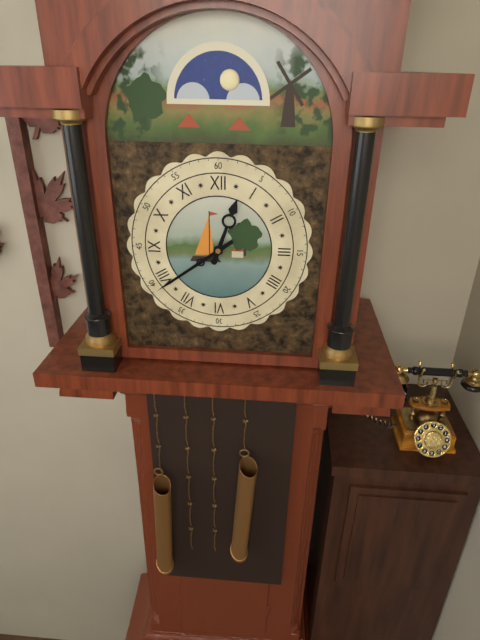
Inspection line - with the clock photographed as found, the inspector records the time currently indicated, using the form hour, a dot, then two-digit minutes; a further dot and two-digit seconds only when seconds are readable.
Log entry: 12.39
